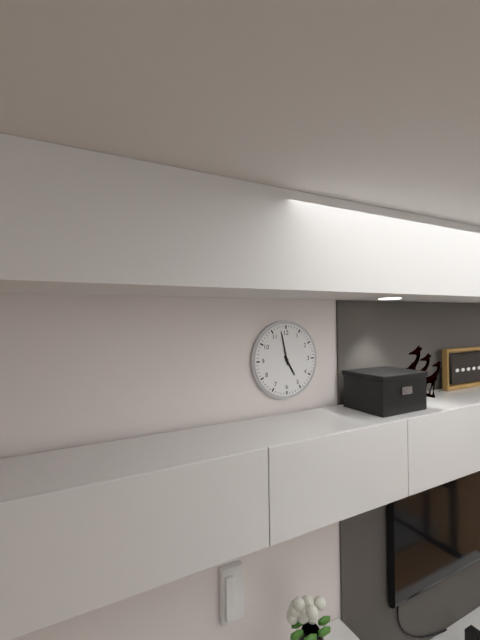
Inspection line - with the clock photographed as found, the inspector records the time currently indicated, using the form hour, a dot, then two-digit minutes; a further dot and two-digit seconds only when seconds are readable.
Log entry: 4.58
